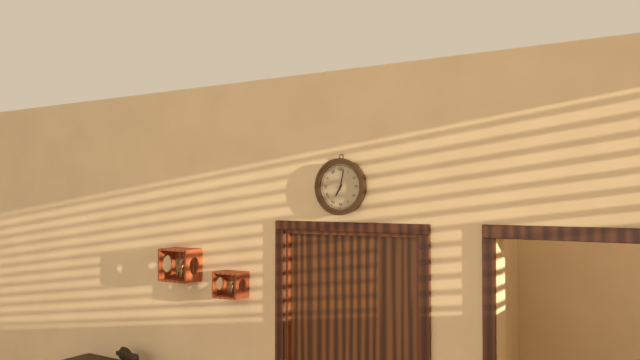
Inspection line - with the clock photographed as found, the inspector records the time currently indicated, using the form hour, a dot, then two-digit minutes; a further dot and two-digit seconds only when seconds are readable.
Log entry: 7.02
